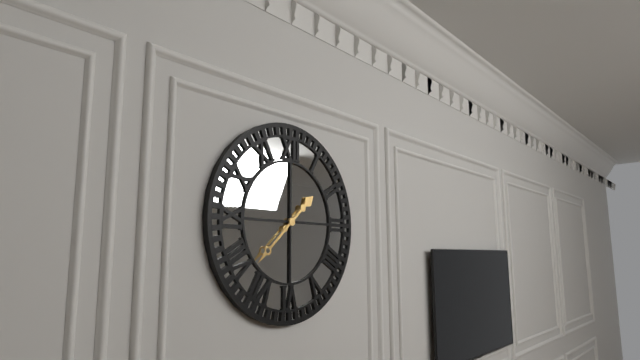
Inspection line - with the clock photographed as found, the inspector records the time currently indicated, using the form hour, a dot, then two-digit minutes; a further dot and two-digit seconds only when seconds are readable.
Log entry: 1.38
